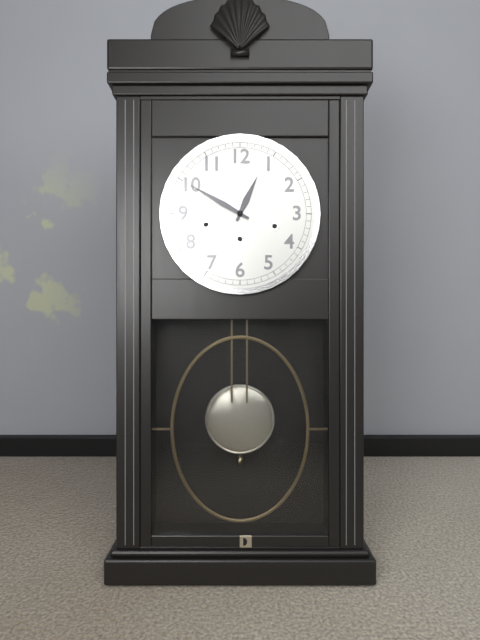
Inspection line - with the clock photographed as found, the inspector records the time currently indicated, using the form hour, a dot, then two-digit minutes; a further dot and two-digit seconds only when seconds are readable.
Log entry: 12.50
